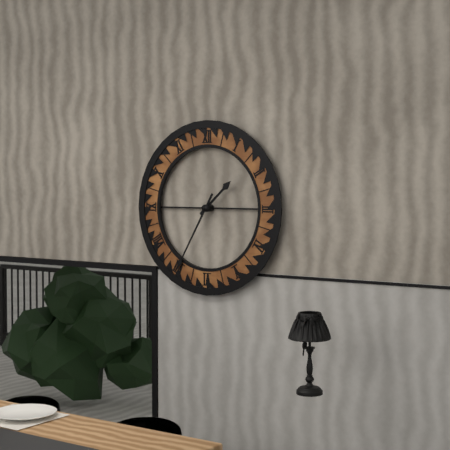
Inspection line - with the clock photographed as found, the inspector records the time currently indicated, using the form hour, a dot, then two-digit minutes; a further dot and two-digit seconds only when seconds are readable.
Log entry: 1.35
